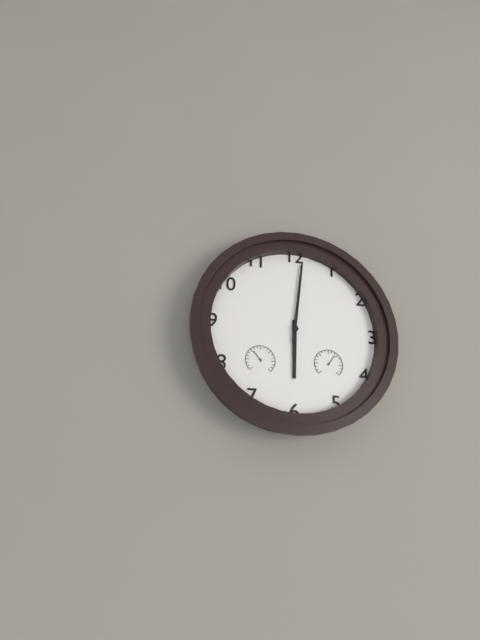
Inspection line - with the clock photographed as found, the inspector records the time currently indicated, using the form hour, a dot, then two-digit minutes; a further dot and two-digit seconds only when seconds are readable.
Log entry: 6.01
